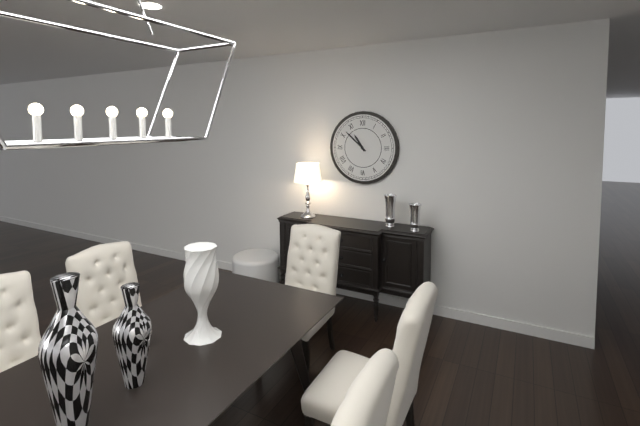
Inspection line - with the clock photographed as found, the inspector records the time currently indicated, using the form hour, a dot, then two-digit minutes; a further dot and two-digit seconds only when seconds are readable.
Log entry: 10.52
